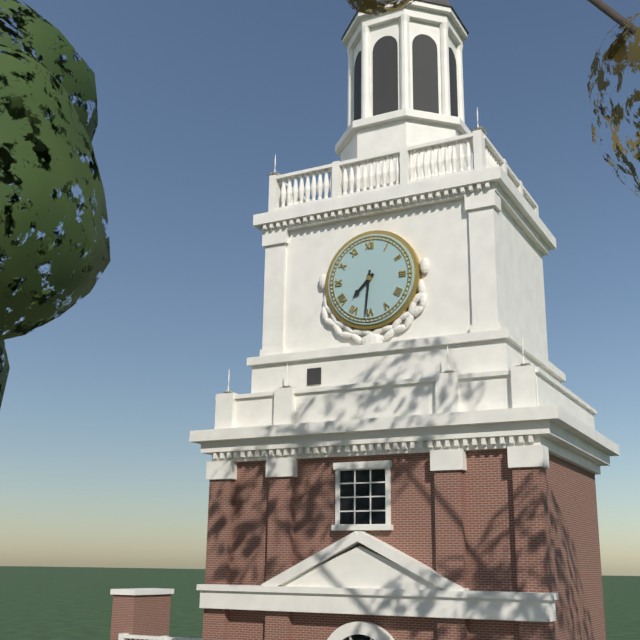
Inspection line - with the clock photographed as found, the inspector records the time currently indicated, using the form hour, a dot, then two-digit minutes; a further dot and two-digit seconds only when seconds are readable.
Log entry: 7.31
